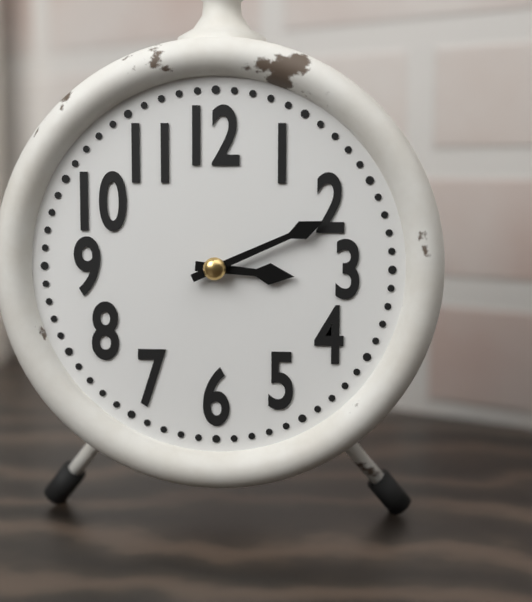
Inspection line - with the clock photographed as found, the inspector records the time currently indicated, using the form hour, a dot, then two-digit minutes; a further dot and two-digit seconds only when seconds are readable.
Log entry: 3.11
